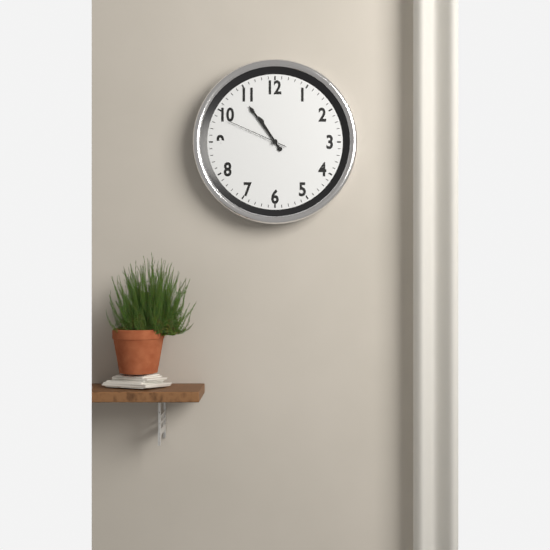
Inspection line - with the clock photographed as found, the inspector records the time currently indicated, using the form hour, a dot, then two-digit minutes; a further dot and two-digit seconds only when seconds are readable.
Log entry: 10.54.49
